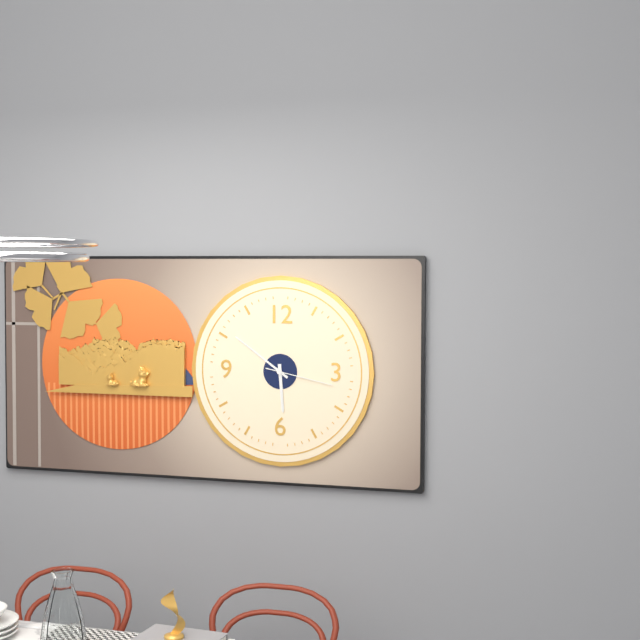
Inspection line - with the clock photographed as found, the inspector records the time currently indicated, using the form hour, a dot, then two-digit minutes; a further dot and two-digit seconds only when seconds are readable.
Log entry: 5.51.17
